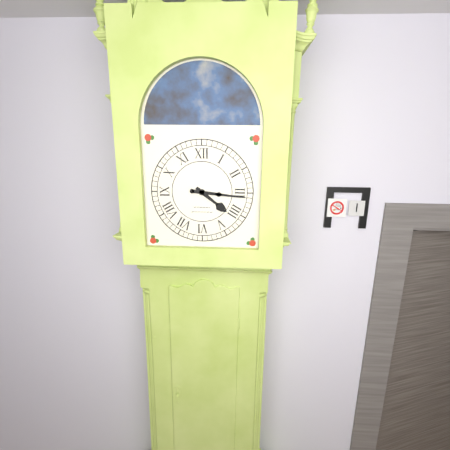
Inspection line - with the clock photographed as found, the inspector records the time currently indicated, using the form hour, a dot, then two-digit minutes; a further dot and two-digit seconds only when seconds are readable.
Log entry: 4.16
